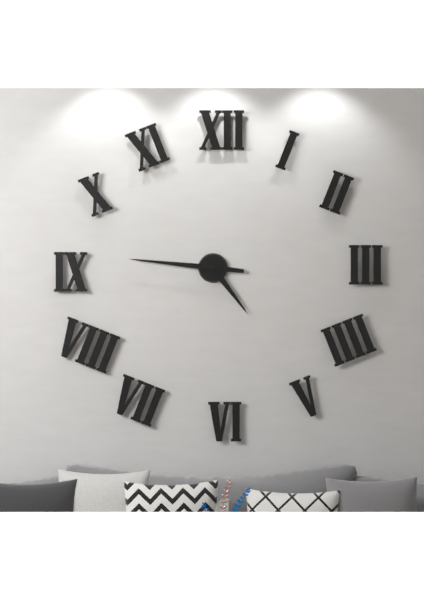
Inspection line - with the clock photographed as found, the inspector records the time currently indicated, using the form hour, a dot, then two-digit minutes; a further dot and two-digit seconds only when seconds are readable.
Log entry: 4.46
